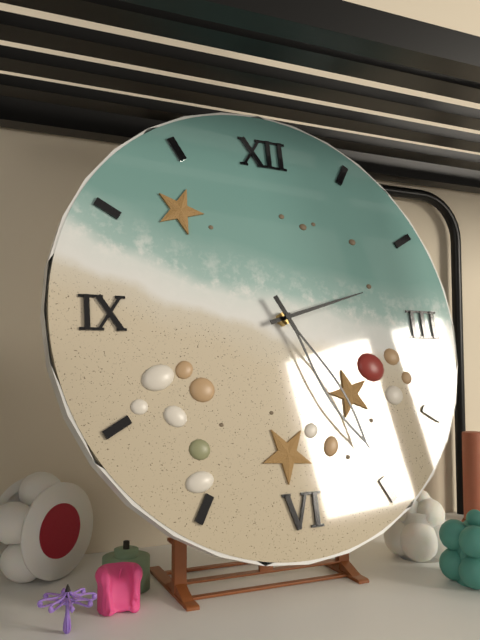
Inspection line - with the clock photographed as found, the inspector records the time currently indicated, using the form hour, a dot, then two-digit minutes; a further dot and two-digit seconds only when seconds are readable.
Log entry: 2.25
